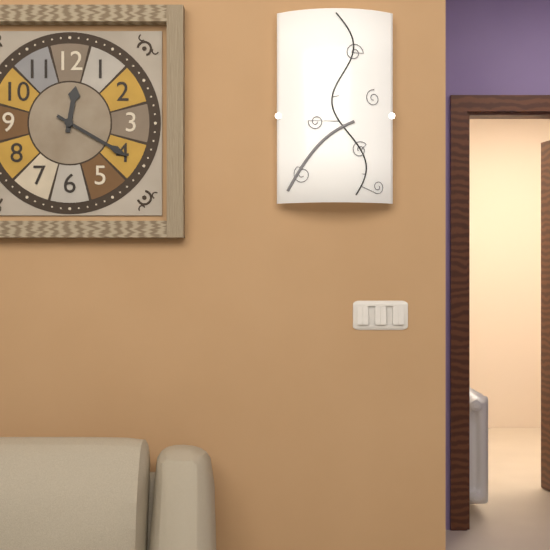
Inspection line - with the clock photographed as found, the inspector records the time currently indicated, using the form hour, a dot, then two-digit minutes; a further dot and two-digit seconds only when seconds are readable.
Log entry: 12.20
